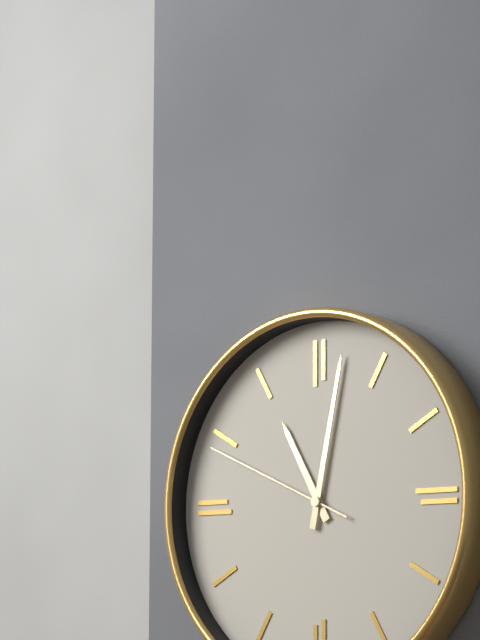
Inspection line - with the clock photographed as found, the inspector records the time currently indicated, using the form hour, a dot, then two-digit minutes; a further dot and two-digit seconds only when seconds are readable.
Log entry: 11.02.49
